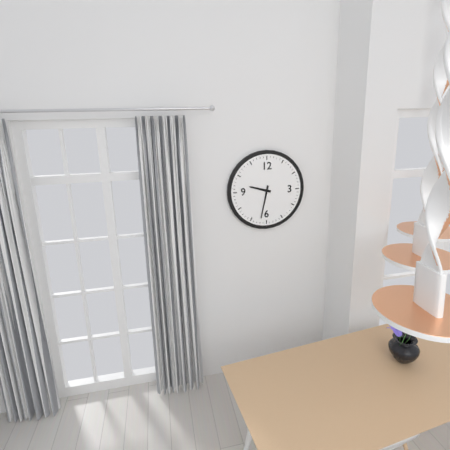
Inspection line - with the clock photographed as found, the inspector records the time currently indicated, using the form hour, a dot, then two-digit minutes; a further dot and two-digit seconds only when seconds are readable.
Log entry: 9.32
